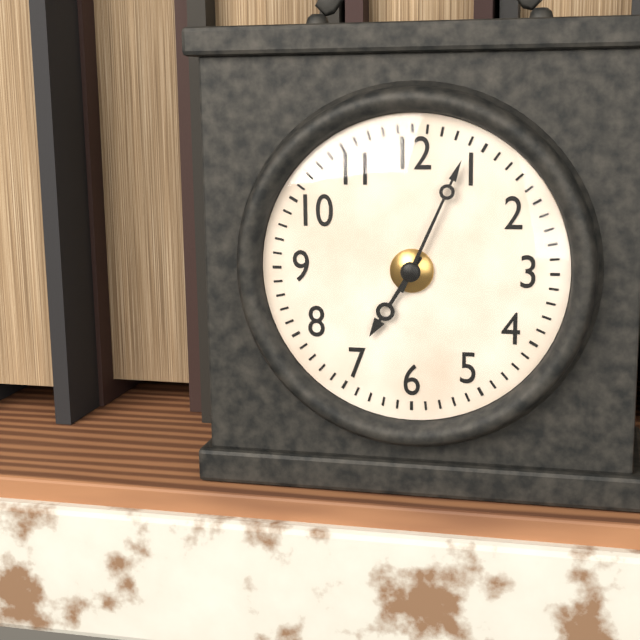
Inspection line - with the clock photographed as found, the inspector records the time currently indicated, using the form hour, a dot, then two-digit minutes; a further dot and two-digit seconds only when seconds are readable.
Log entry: 7.04
